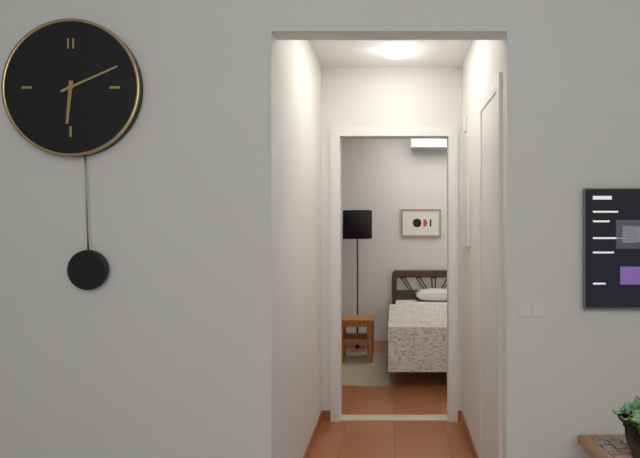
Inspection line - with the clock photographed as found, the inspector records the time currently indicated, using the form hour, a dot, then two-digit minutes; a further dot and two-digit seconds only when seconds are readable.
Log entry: 6.11
